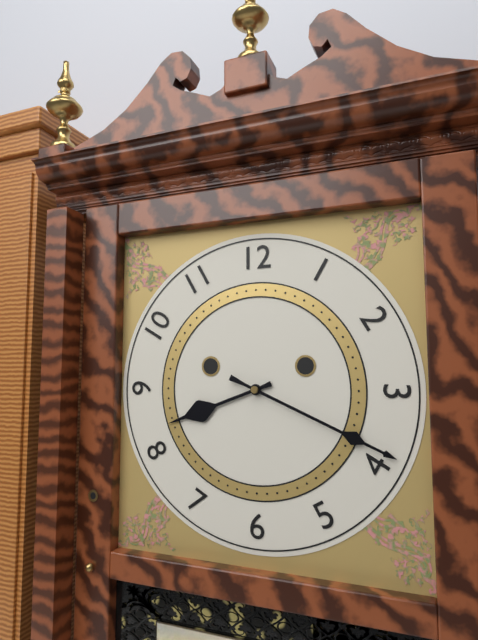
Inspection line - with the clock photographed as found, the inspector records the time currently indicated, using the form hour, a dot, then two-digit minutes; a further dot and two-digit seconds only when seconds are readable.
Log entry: 8.19
